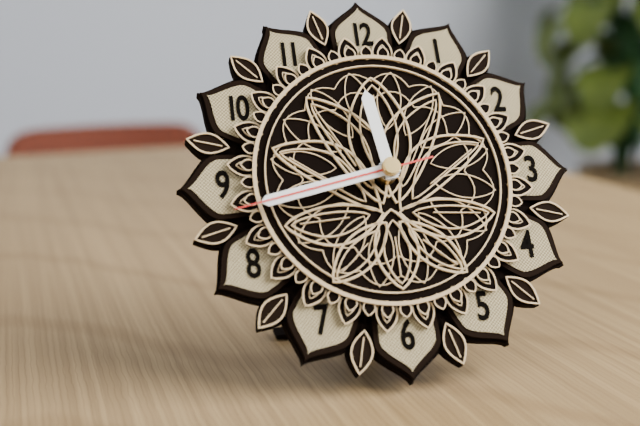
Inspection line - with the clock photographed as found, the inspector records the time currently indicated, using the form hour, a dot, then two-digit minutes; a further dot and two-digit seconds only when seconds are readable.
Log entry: 11.43.43
